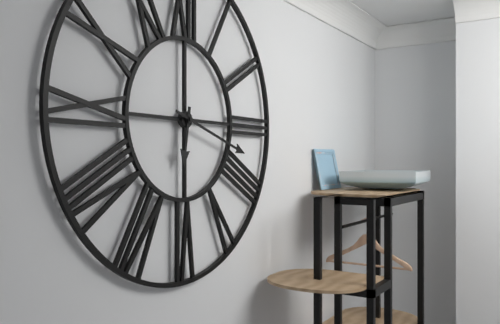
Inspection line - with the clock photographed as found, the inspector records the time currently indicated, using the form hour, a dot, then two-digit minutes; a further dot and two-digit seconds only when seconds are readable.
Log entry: 6.18
